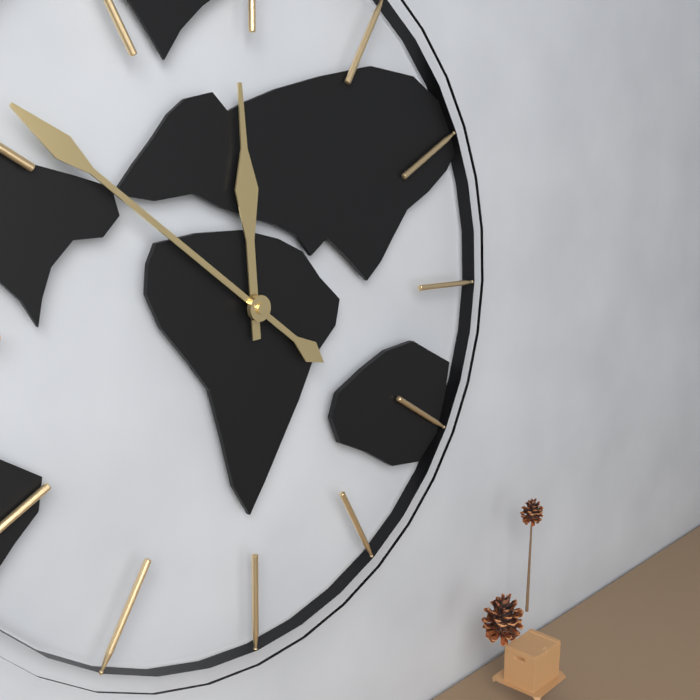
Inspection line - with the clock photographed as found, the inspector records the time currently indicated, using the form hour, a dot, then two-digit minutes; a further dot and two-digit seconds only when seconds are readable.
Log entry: 11.51
